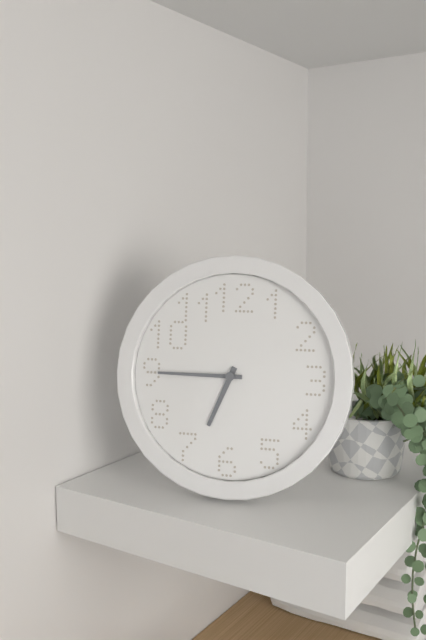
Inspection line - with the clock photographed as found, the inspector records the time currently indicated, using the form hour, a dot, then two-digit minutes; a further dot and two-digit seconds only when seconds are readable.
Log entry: 6.45
